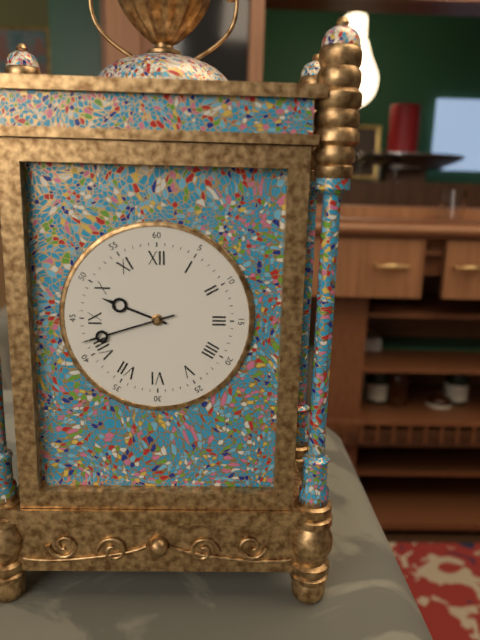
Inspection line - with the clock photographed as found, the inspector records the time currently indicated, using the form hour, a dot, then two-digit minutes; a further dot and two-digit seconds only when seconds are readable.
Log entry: 9.42
